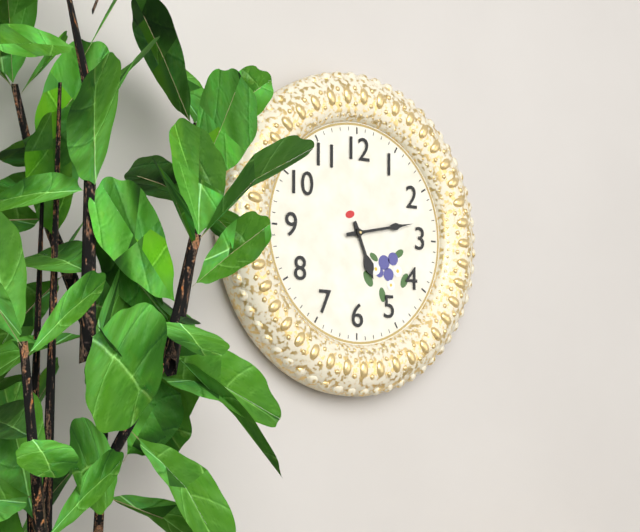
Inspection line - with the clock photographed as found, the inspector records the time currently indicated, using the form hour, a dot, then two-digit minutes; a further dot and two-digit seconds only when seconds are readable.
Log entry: 5.13
